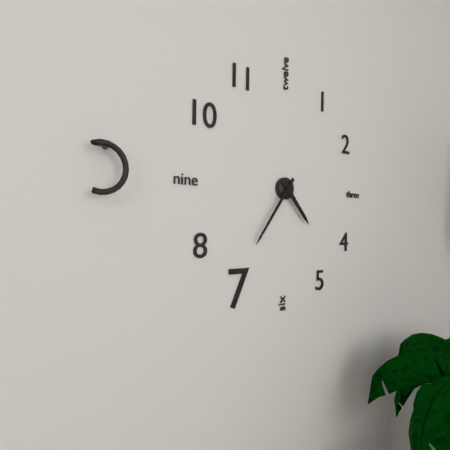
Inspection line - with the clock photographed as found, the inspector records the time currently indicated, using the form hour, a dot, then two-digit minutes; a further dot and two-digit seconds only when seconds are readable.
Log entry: 4.36
